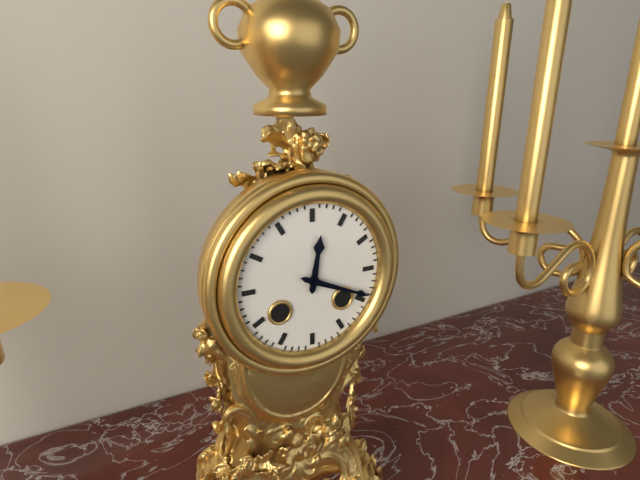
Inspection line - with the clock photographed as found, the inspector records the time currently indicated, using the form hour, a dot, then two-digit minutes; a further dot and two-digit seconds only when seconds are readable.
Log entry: 12.19
